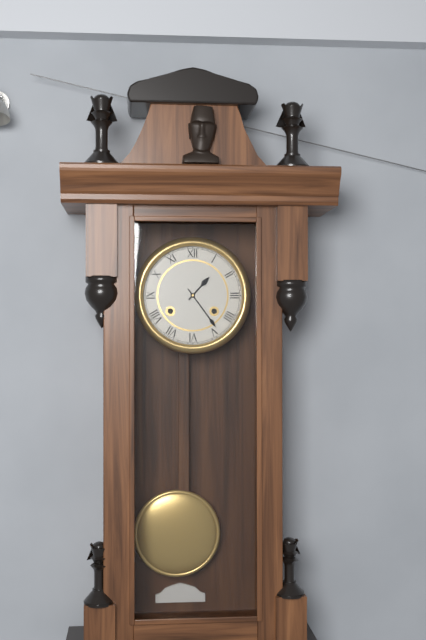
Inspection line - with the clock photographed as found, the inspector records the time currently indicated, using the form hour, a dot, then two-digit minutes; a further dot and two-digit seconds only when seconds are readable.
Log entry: 1.24
